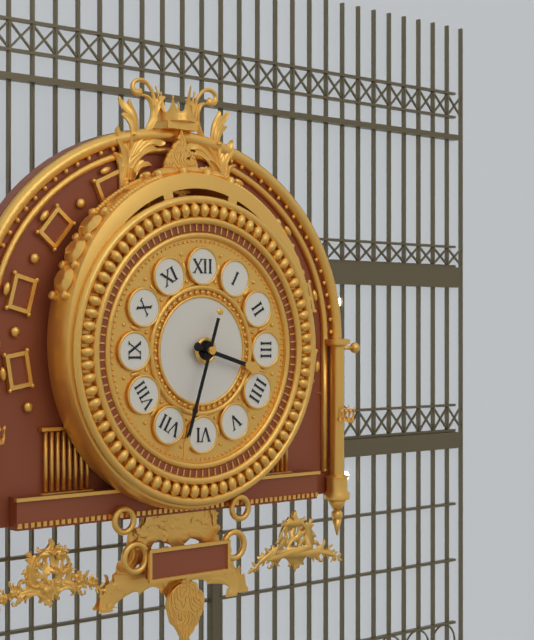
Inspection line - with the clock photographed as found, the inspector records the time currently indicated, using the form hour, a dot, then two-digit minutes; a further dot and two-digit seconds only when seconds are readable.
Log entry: 3.33
